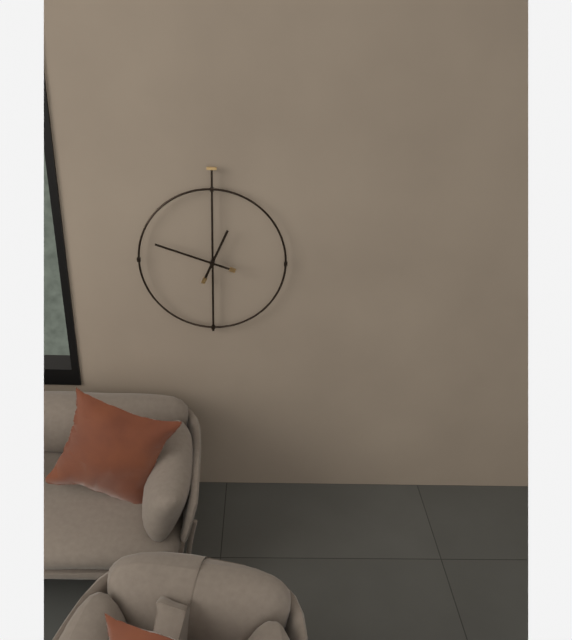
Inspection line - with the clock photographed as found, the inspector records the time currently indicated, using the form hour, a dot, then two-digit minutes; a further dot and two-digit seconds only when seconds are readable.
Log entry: 12.48
